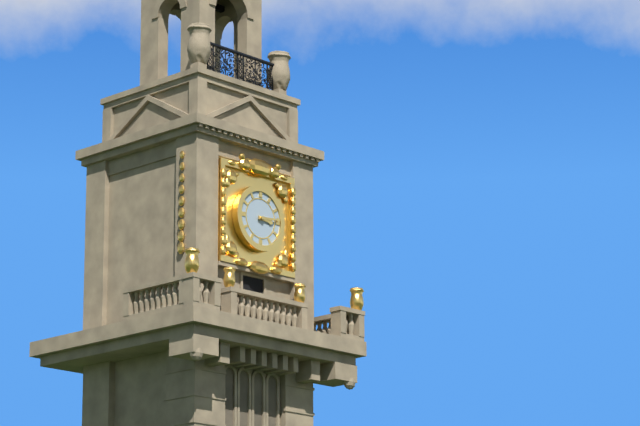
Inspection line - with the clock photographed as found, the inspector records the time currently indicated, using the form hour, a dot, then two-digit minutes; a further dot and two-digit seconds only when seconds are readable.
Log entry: 3.14
